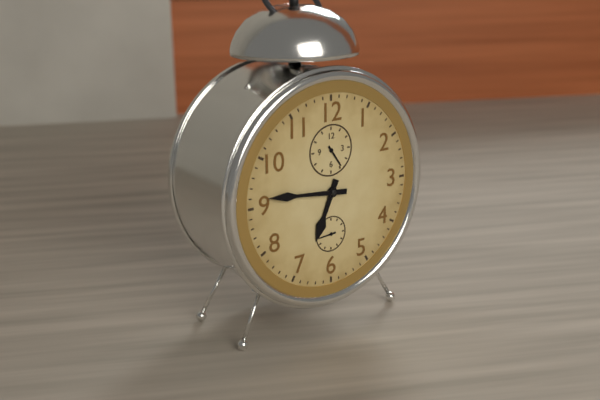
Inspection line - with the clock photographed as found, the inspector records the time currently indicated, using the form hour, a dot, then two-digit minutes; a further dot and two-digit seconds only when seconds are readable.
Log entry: 6.46
